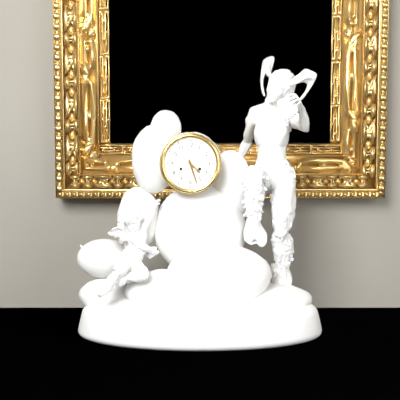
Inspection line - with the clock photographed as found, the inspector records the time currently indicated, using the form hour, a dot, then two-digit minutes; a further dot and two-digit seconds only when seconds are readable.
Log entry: 4.27
